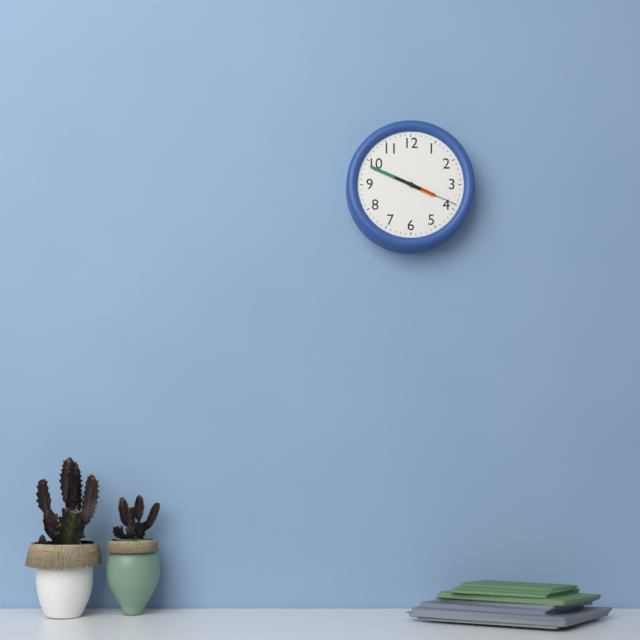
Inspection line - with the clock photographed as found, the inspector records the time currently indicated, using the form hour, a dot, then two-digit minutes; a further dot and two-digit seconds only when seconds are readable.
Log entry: 3.49.19
